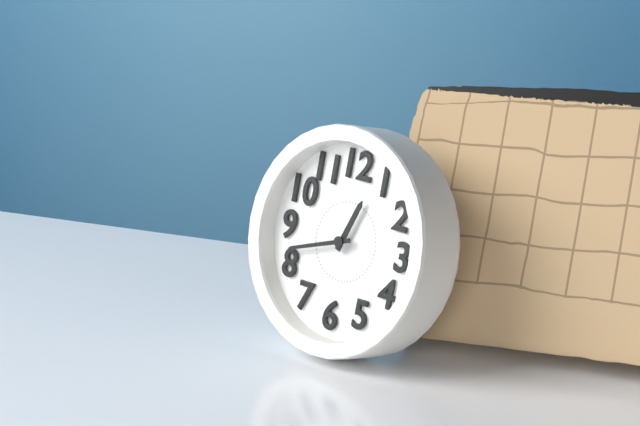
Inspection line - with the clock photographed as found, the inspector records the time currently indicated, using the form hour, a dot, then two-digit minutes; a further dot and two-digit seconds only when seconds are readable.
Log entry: 12.42
